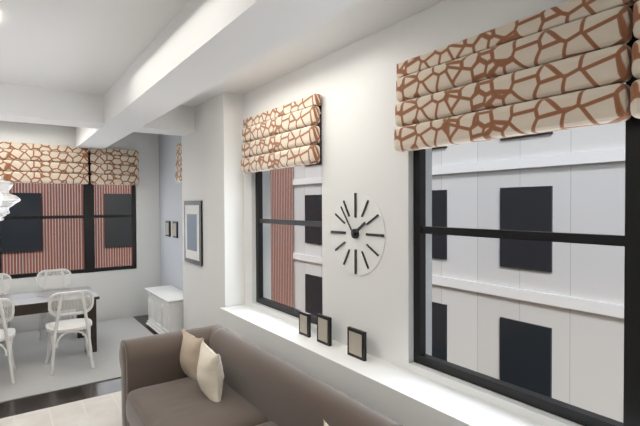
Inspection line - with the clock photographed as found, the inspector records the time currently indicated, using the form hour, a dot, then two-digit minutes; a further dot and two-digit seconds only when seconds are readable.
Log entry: 1.54
